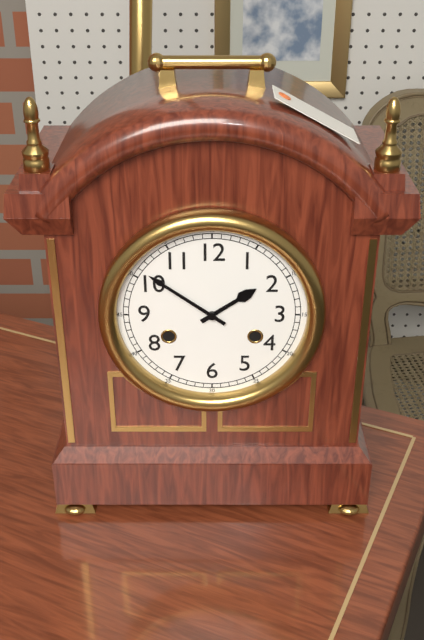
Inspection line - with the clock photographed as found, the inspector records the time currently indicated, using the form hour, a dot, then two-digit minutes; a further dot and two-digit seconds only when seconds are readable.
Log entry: 1.51
